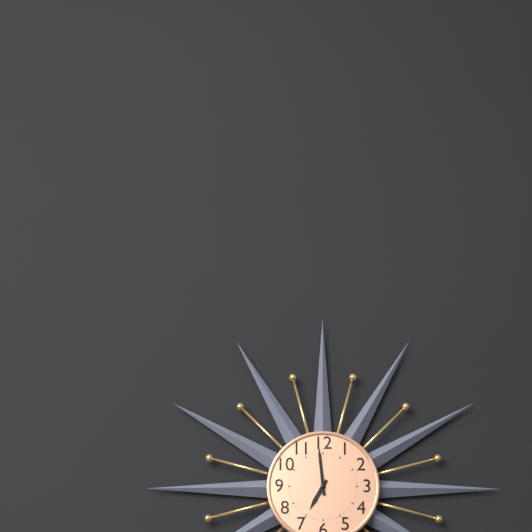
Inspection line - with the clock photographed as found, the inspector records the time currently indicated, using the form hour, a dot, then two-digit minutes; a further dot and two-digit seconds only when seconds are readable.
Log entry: 6.59
